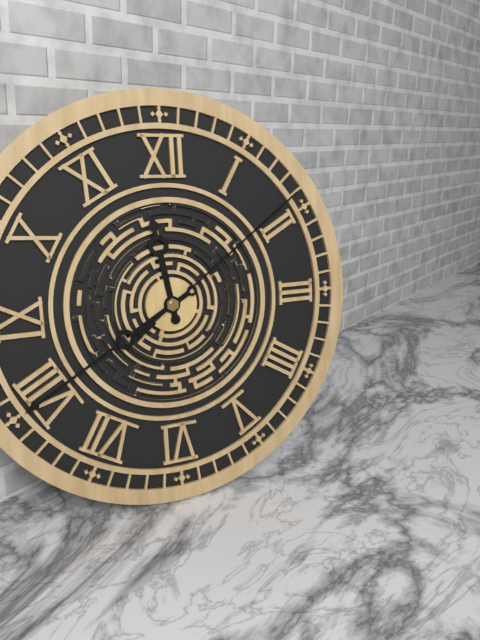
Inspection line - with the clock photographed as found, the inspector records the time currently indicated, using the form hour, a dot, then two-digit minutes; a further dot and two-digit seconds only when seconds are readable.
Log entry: 11.40.09
